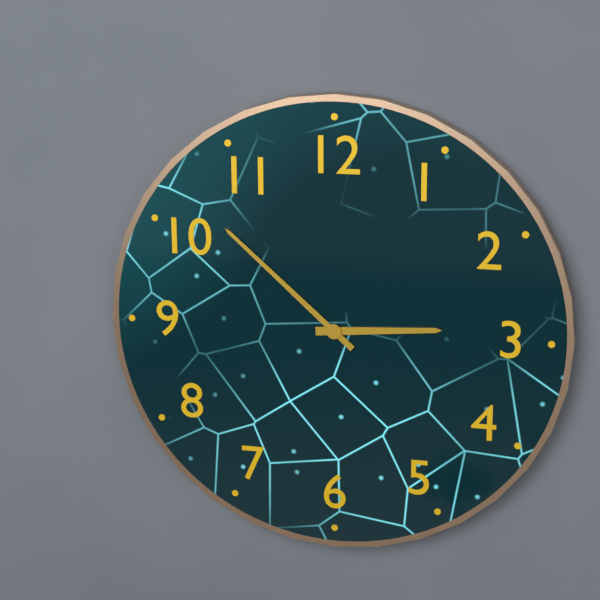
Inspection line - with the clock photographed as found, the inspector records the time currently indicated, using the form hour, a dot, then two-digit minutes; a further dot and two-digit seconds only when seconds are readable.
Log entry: 2.52
